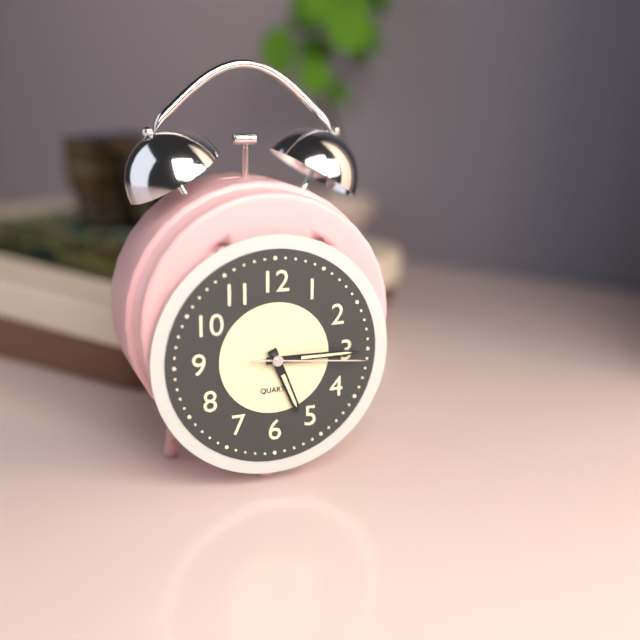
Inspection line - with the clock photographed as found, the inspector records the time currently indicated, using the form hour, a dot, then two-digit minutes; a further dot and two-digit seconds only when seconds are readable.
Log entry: 5.15.16
